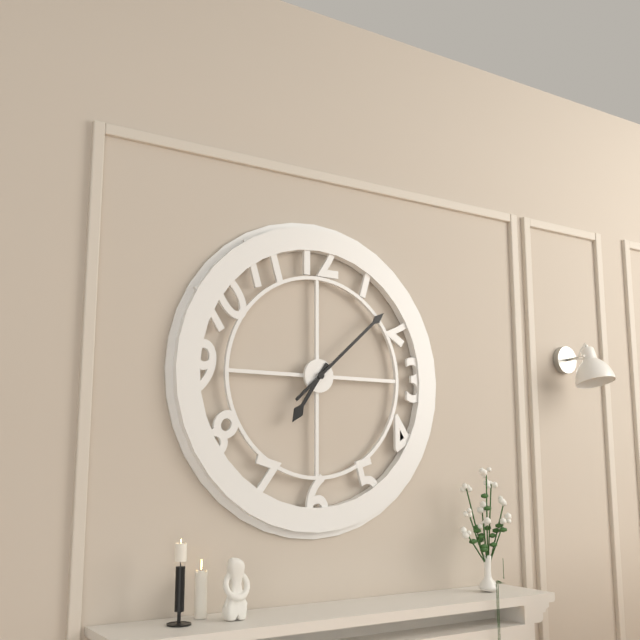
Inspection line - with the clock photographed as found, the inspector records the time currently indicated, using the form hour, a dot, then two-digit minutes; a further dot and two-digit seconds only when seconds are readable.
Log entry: 7.08
